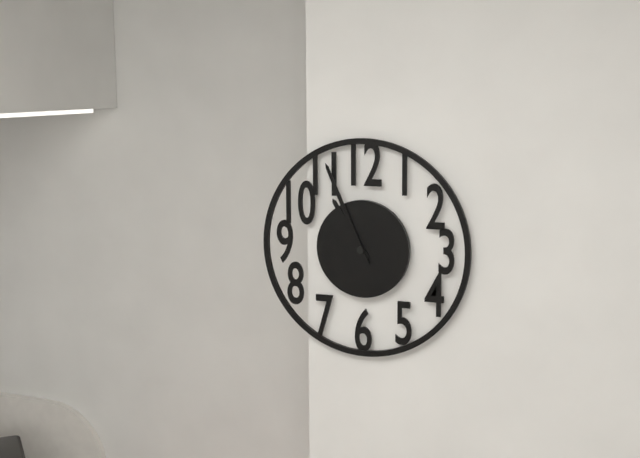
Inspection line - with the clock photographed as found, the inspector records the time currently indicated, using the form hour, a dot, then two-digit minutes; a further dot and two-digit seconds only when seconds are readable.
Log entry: 10.56
